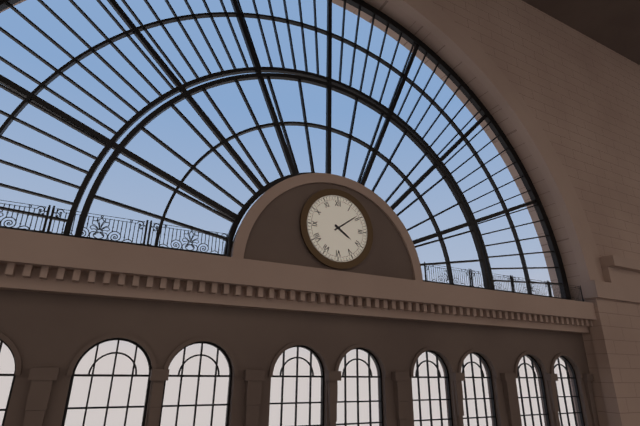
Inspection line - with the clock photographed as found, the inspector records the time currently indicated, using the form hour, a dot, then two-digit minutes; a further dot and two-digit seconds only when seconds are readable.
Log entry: 4.09
